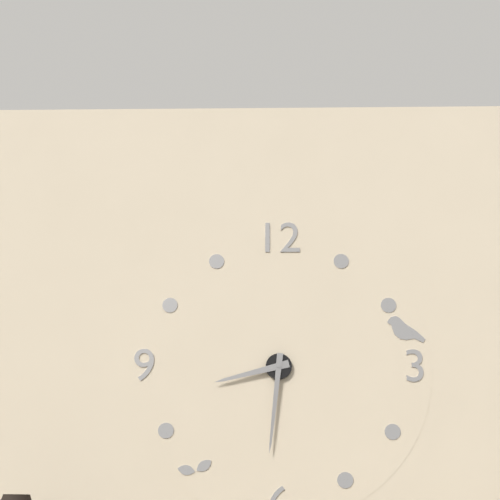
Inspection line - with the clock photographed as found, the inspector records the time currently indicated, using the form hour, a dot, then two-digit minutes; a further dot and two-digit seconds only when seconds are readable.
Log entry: 8.31
